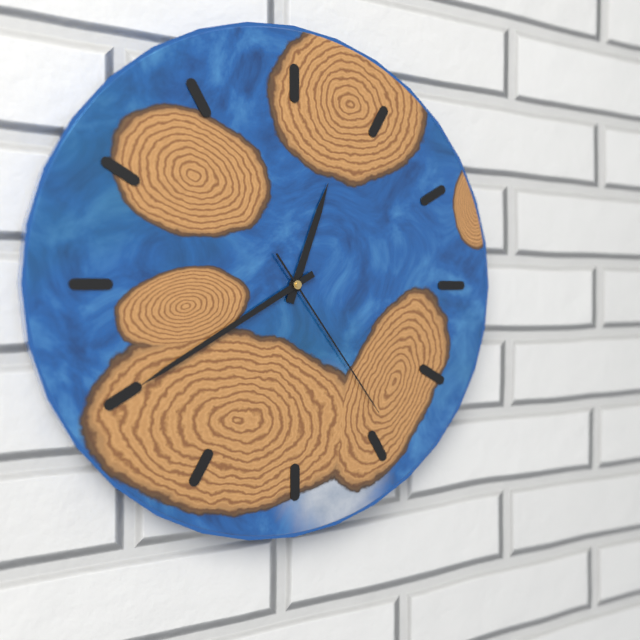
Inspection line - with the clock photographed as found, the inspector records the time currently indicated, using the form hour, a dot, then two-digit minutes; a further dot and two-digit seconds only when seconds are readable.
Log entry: 12.40.24
